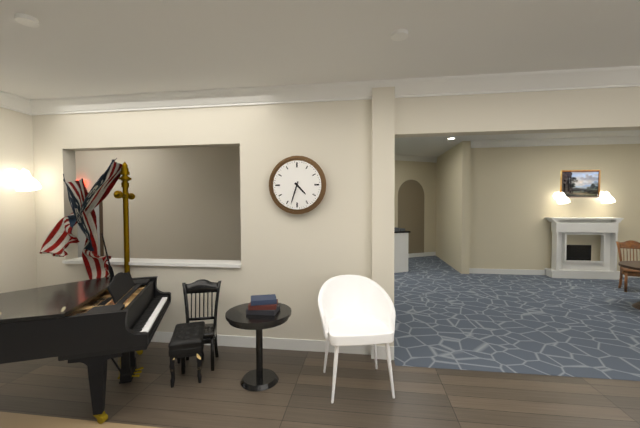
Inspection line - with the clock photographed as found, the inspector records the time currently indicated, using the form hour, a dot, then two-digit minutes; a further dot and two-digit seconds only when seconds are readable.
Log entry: 4.33
